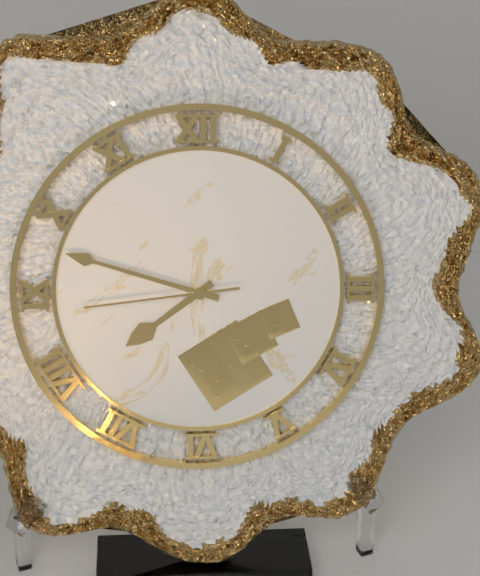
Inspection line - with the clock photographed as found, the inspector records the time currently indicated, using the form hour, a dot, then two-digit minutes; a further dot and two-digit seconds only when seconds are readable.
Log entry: 7.48.44
